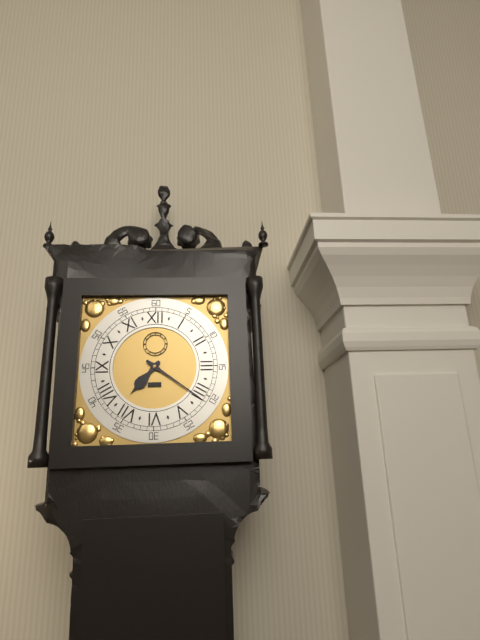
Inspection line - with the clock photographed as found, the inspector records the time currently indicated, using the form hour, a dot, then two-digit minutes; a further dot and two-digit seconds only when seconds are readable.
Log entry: 7.21
